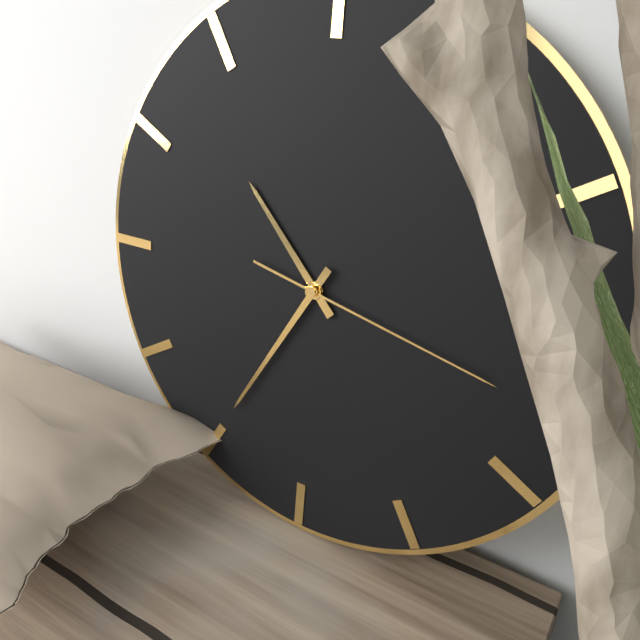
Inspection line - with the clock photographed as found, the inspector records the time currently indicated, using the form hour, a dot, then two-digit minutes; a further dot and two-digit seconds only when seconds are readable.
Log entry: 10.35.17
